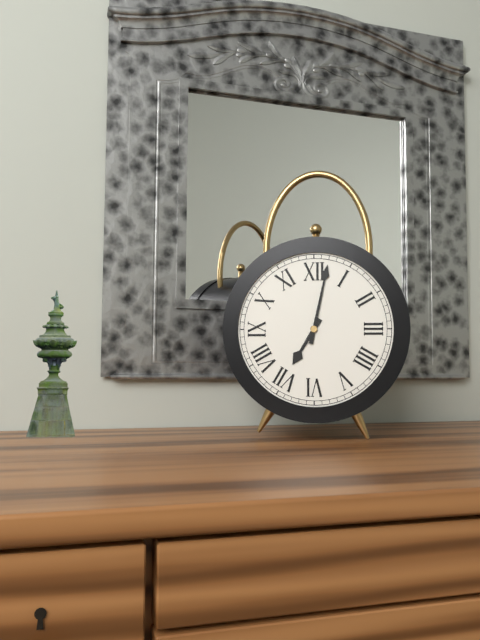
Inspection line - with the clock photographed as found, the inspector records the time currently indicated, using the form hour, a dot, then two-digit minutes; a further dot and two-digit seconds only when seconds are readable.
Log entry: 7.02
